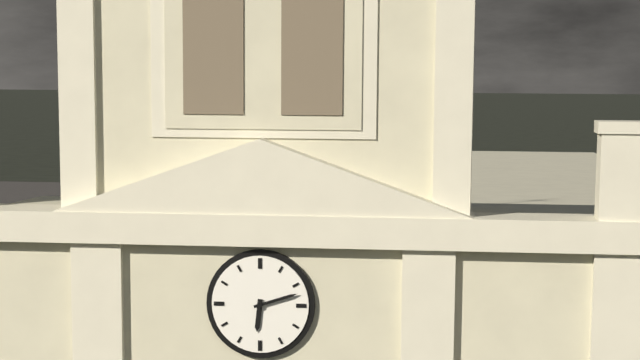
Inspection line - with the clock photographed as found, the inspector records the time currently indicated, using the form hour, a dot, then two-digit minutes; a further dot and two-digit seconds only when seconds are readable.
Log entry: 6.12
